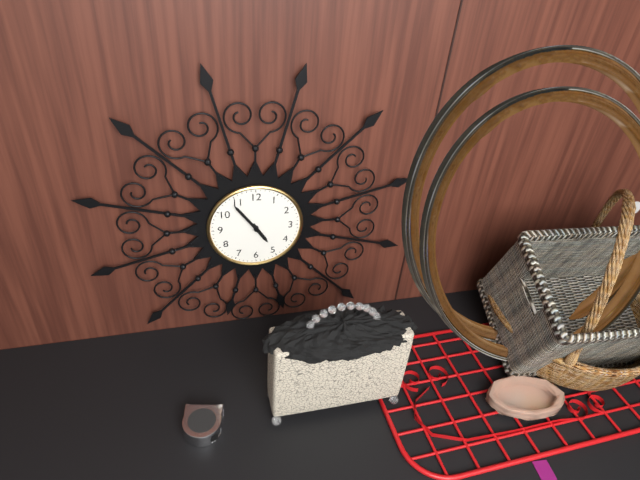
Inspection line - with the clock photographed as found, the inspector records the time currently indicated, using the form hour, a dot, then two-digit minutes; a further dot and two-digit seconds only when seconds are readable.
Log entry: 4.54
